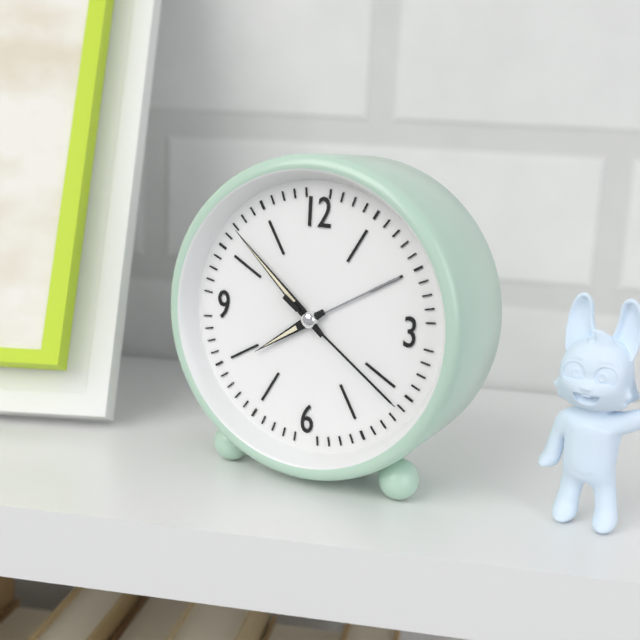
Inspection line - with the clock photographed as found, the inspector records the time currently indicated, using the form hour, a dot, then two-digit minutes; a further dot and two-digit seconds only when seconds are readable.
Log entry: 7.52.21
